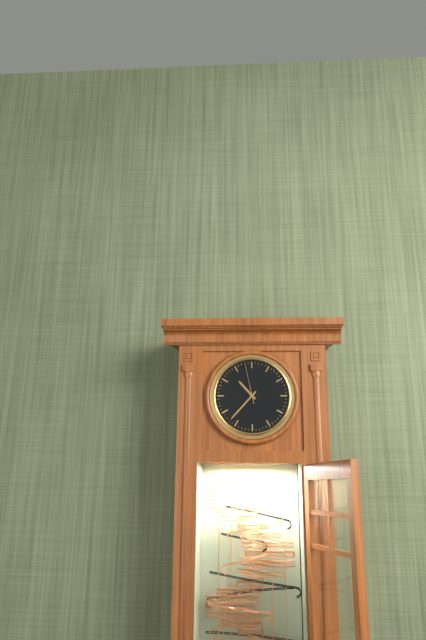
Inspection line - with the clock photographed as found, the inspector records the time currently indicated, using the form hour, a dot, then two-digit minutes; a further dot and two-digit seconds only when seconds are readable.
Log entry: 10.37
